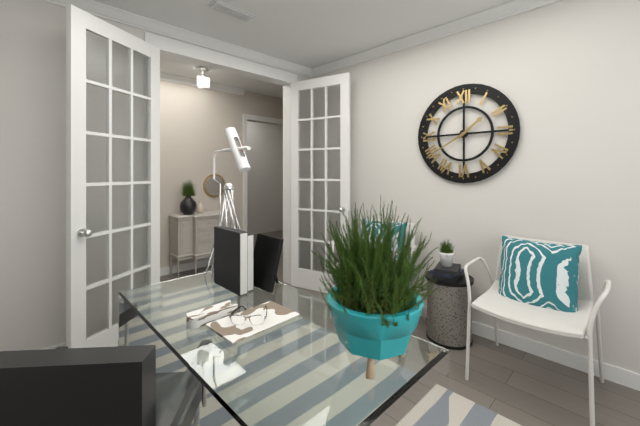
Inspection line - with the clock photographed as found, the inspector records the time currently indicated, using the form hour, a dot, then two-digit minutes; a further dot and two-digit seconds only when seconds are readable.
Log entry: 1.40
